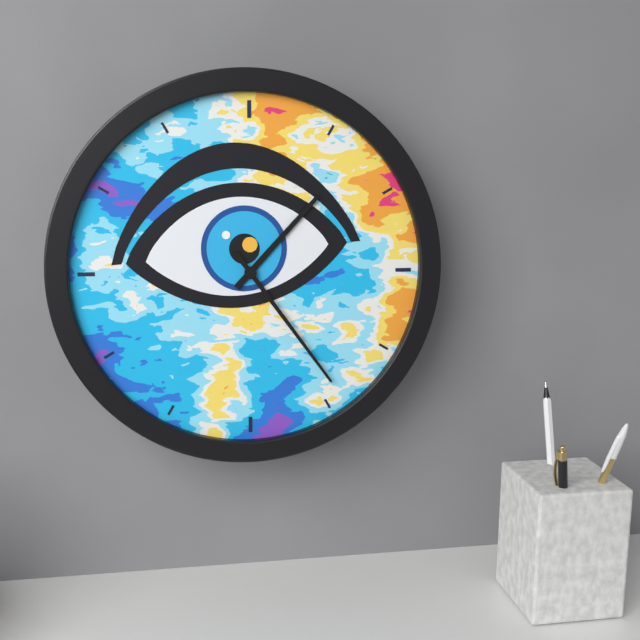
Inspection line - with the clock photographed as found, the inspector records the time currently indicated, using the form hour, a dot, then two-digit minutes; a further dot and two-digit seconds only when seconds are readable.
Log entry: 1.24
